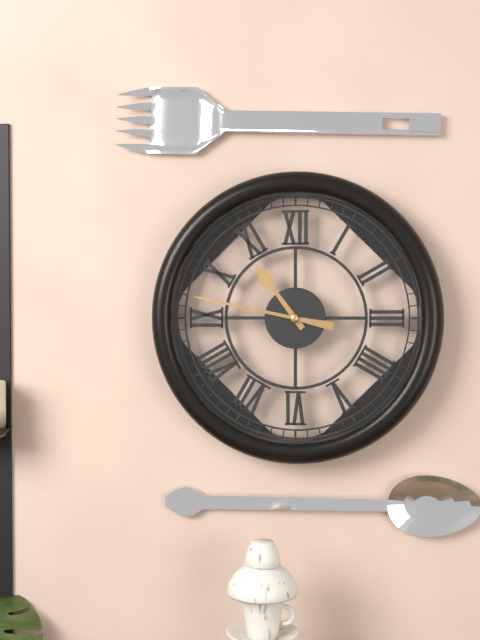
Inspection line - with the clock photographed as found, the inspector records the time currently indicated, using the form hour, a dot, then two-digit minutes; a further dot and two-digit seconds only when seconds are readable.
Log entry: 10.47
